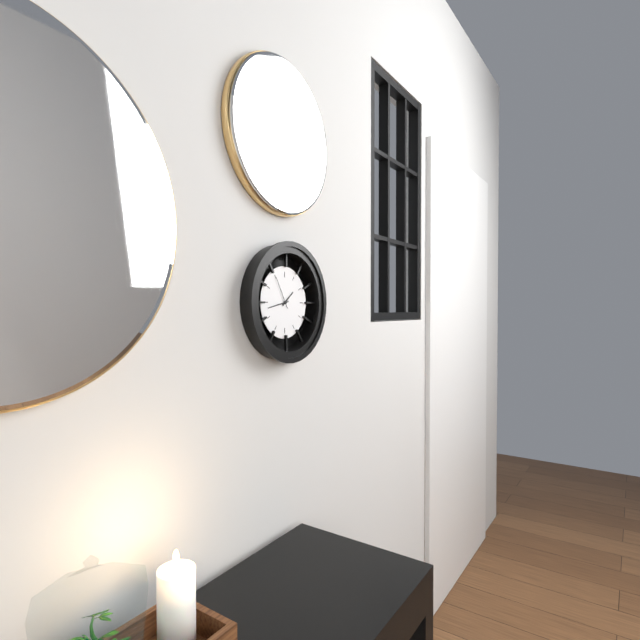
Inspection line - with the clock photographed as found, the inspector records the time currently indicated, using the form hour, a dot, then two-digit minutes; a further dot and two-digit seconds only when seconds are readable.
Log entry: 1.43
